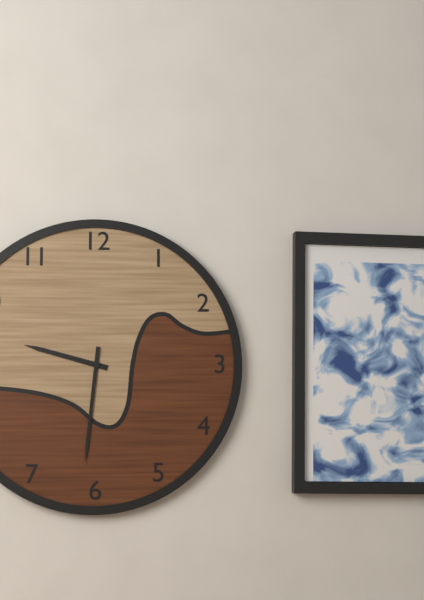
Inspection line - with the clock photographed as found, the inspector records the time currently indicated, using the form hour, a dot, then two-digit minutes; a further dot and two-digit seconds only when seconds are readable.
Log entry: 9.31
